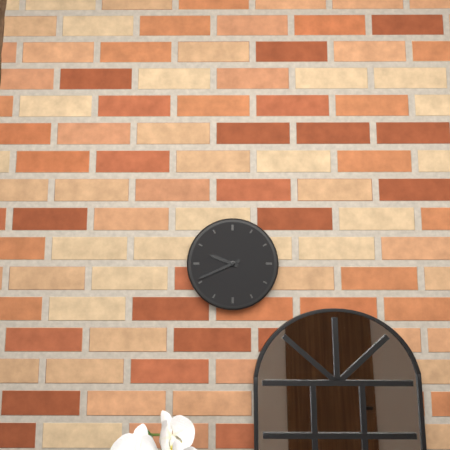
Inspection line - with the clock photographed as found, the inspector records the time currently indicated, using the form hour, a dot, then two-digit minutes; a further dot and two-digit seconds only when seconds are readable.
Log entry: 9.41
